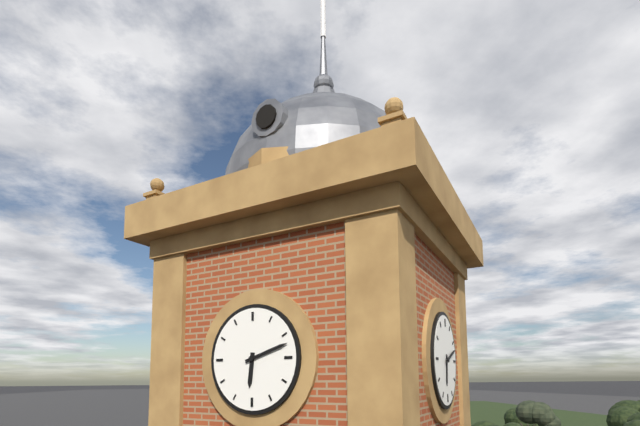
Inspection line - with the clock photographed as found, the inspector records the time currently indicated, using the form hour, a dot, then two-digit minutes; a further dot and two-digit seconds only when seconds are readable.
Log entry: 6.12
